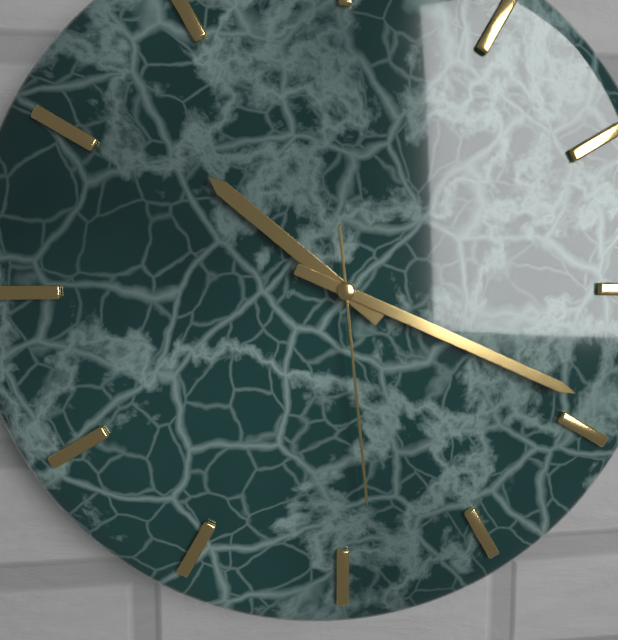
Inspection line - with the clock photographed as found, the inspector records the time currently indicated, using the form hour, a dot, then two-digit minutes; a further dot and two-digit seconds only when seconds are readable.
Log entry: 10.19.29
